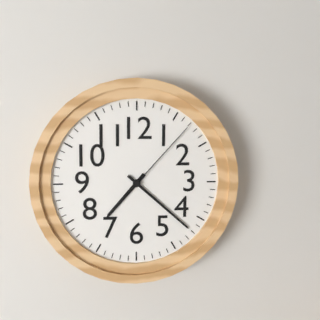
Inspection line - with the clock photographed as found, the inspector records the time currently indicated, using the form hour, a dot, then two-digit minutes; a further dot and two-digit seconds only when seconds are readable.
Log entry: 7.22.07
